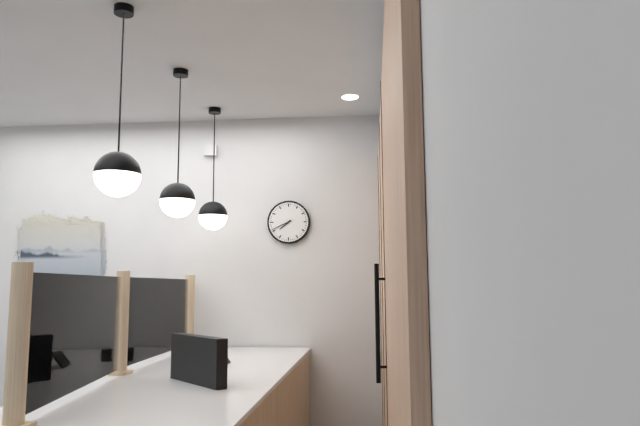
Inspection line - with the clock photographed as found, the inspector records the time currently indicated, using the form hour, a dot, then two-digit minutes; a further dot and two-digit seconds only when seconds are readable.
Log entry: 7.41
